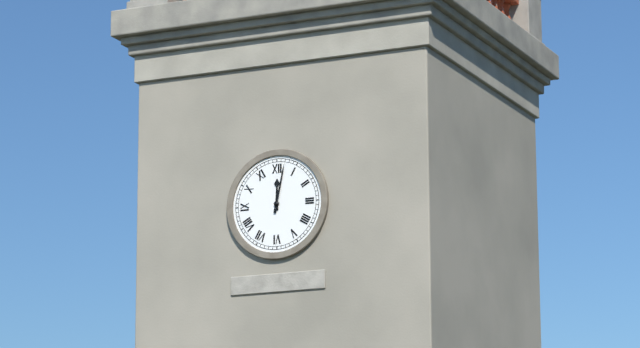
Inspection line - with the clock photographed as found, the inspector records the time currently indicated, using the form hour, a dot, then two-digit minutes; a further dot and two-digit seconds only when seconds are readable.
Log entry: 12.02
